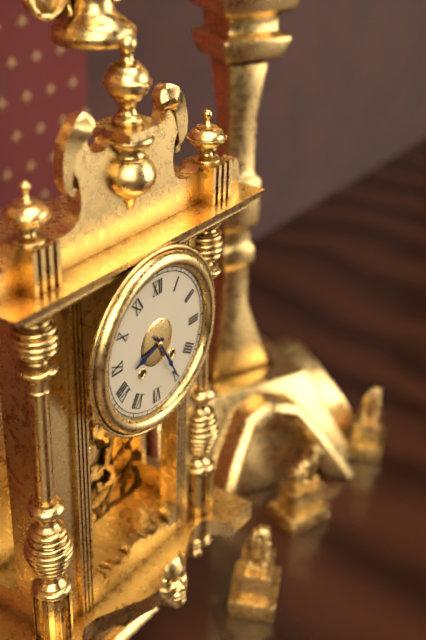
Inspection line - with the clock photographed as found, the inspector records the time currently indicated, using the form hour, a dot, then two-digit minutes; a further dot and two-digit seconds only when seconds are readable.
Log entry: 8.25
